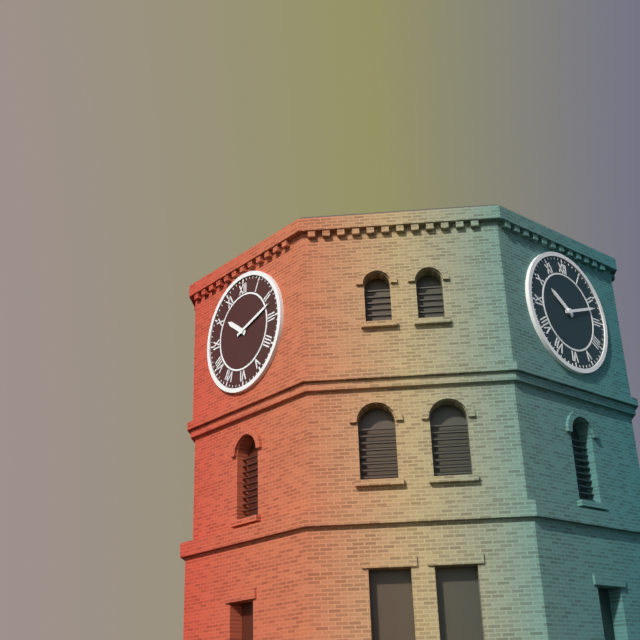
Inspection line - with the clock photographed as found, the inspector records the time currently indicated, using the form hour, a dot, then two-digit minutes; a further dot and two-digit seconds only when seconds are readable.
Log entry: 10.12
